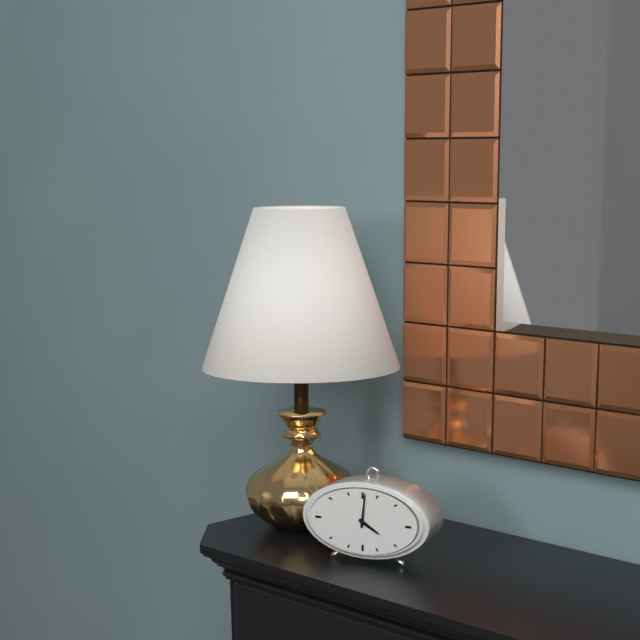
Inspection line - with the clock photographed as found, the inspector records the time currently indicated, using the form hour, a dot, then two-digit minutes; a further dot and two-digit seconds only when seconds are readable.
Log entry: 4.01
